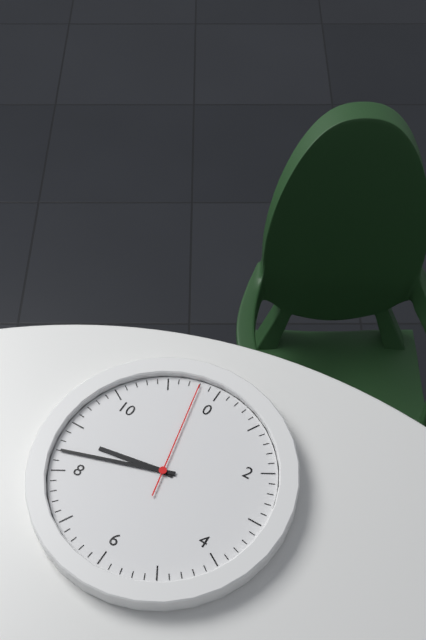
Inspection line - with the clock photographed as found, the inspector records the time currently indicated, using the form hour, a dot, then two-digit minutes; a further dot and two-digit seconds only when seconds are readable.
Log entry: 8.42.58
